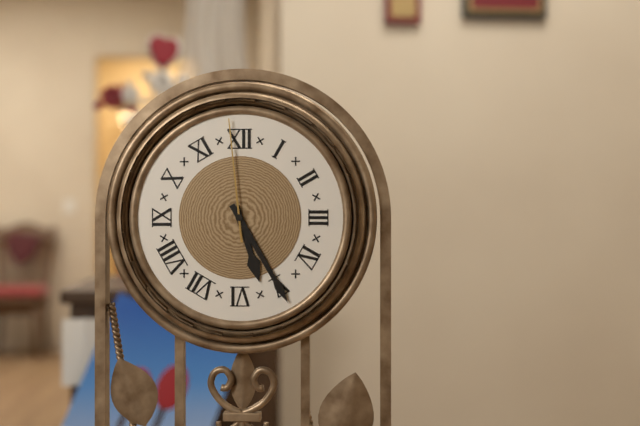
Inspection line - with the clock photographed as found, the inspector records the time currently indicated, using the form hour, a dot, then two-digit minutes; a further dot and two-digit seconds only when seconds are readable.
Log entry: 5.25.59
